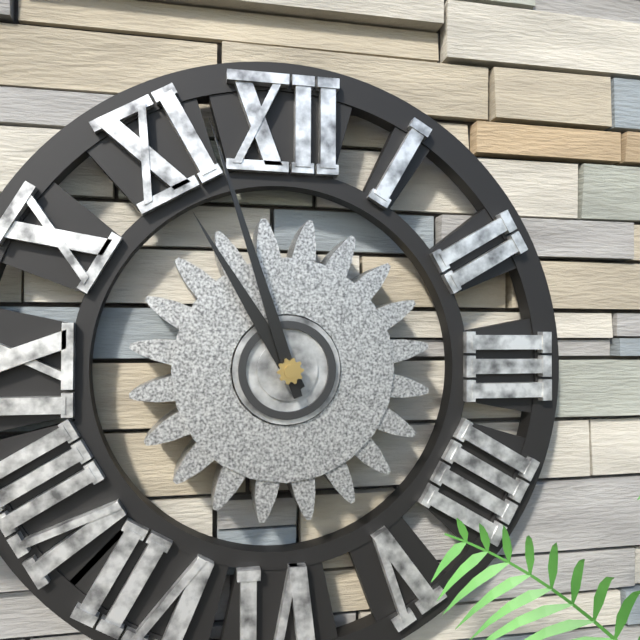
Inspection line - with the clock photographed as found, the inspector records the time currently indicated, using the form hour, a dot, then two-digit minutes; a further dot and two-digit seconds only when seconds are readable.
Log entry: 10.57
